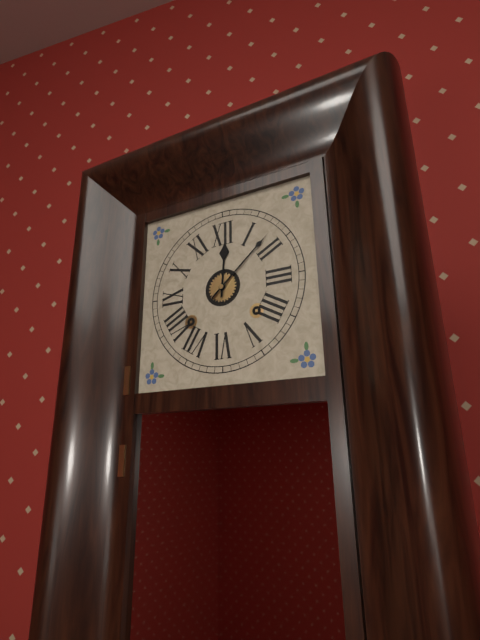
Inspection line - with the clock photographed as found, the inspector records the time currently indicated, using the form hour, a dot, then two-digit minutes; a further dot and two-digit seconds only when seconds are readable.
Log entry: 12.08
